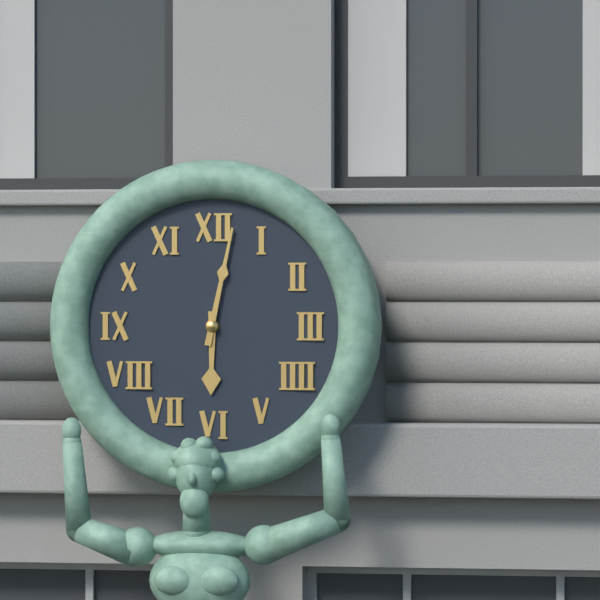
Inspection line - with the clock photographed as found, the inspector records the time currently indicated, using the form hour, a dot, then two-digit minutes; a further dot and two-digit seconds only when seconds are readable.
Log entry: 6.02
